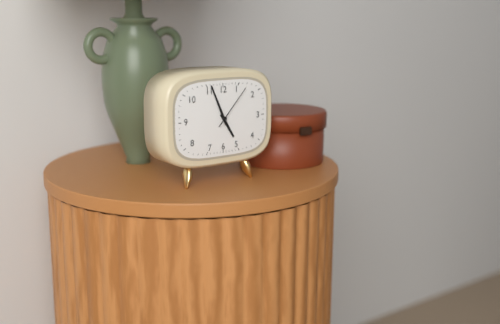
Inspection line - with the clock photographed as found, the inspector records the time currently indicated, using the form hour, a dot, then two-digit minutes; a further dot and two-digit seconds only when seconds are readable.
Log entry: 4.56
